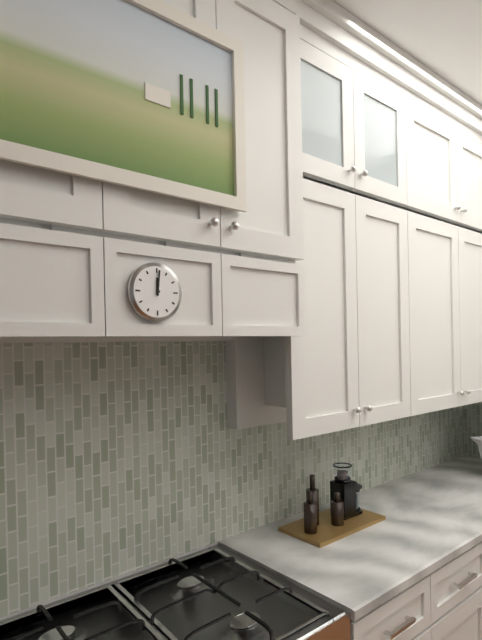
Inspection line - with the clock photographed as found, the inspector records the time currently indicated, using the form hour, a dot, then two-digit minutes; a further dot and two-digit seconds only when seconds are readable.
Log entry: 12.01
